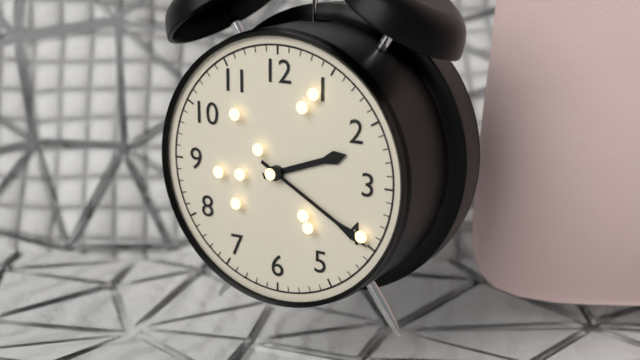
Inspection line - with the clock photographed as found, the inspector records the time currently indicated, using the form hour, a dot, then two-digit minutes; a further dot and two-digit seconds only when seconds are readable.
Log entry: 2.20
